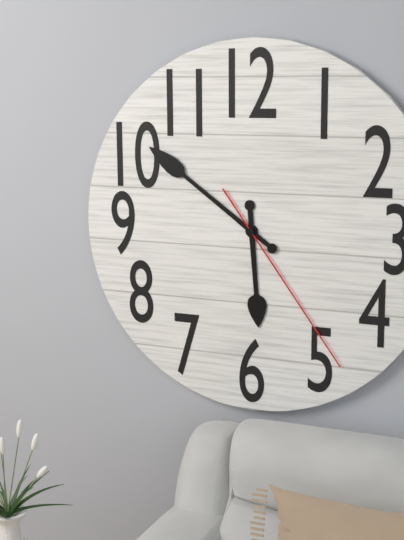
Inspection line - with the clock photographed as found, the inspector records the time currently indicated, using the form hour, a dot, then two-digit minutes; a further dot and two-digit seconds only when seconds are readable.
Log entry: 5.51.24
